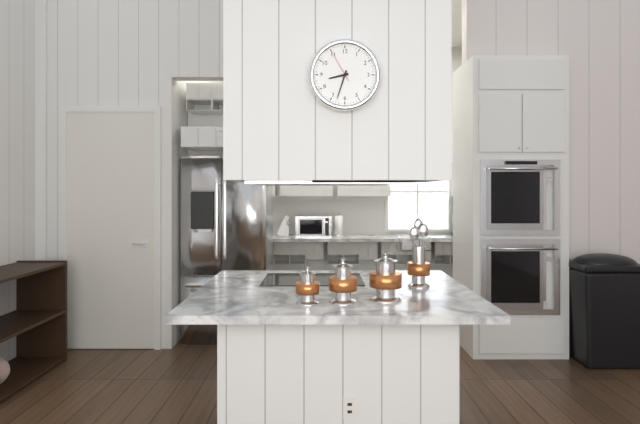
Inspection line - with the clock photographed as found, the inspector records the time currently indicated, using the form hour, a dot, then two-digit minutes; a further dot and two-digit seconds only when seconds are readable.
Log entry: 8.33
